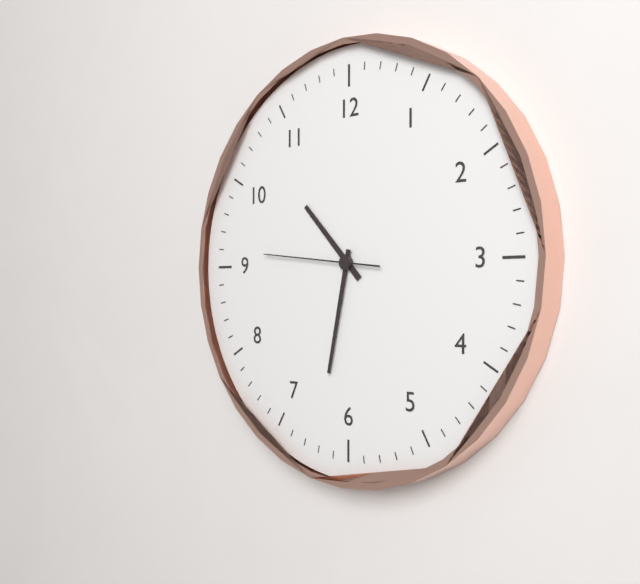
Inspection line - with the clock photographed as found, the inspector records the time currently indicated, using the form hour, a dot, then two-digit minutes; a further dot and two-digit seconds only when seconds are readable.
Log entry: 10.32.46
